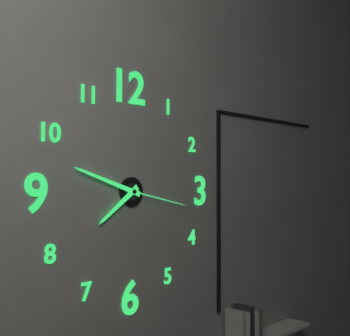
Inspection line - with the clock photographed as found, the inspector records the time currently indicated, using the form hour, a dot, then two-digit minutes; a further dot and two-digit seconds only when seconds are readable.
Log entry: 7.48.17
